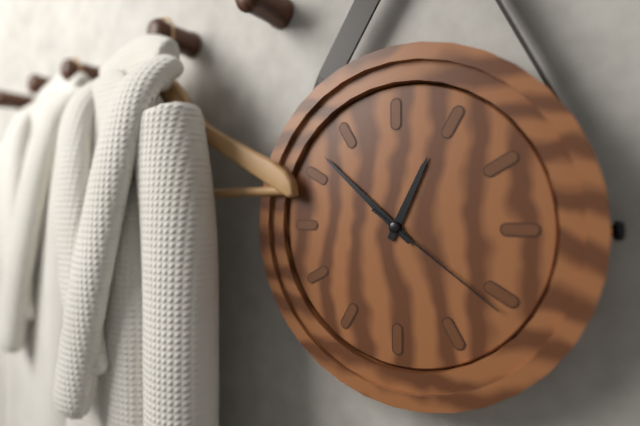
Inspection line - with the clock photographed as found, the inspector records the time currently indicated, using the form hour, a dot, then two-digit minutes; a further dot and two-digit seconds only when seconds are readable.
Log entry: 12.52.21
